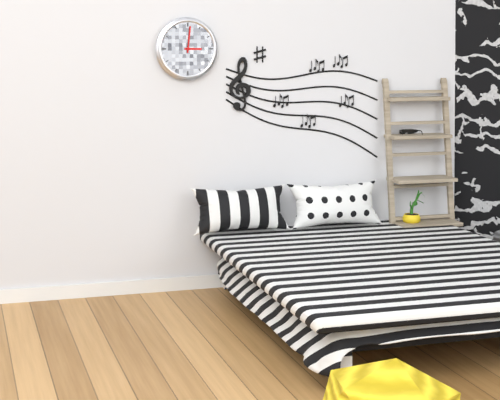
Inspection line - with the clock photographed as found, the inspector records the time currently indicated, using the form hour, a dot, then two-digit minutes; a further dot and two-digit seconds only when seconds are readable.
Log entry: 3.01
